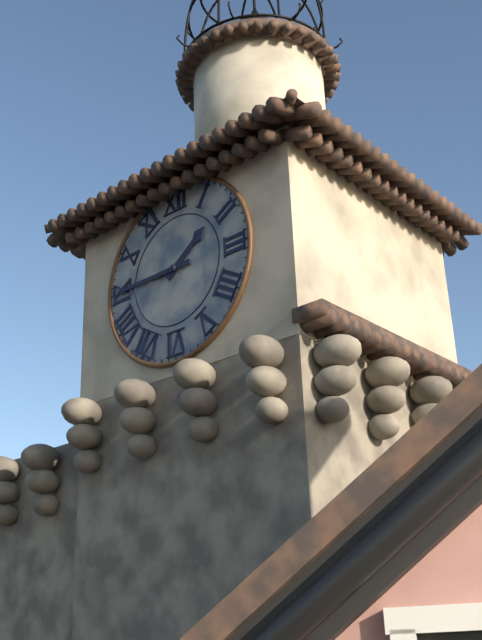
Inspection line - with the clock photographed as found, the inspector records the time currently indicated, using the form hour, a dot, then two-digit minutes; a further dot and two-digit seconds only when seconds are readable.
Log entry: 1.45
